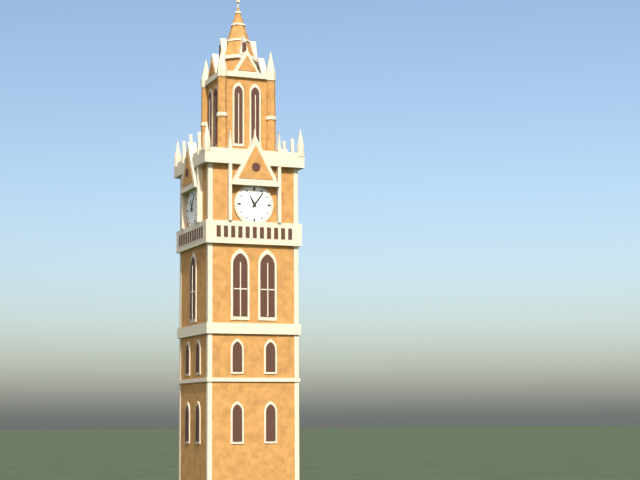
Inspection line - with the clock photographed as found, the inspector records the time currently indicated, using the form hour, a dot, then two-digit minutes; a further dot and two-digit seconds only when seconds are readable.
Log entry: 11.06
